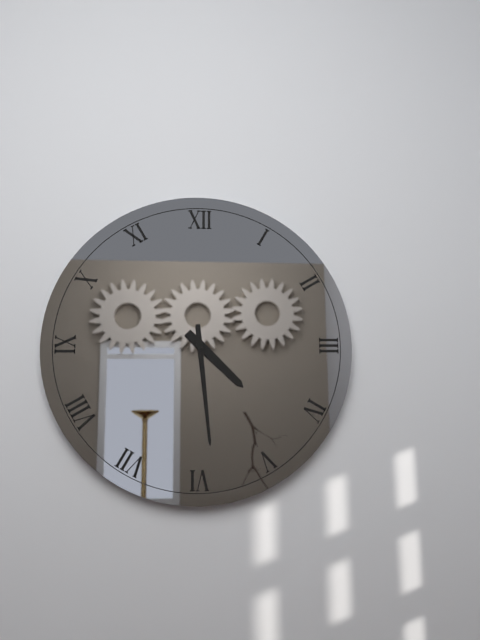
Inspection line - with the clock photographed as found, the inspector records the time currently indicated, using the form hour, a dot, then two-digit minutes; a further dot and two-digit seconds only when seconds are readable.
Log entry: 4.29
